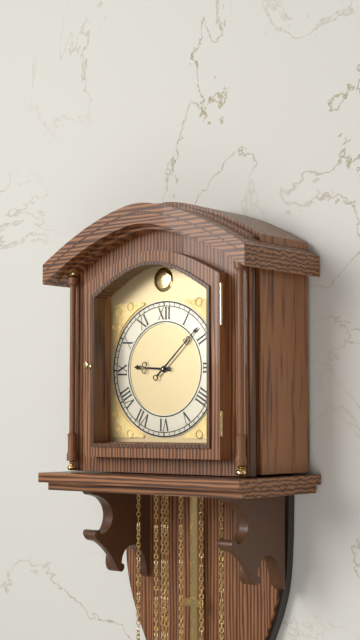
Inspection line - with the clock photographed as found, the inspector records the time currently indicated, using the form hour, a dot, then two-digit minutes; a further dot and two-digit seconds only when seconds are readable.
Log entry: 9.08
